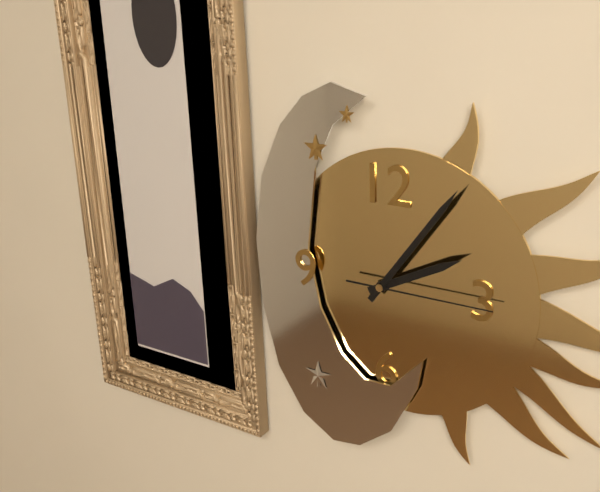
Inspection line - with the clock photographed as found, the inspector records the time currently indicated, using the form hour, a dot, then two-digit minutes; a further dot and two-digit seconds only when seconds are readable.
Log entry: 2.06.15
